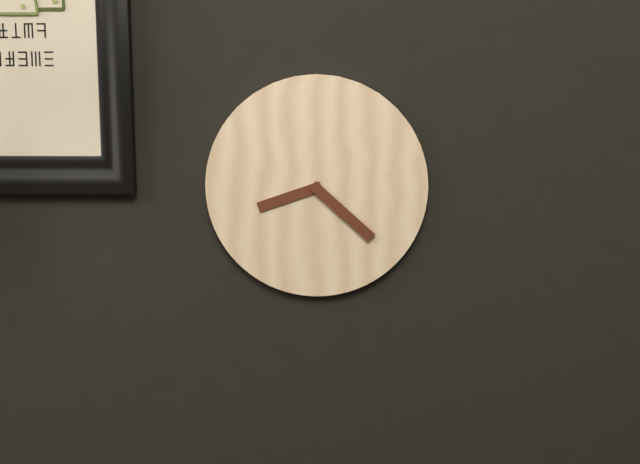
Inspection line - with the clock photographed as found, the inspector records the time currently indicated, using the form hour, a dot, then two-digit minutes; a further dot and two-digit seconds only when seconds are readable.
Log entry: 8.22
